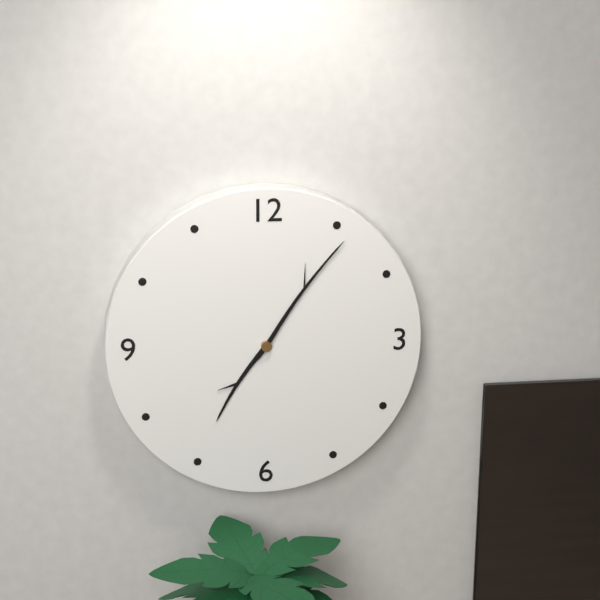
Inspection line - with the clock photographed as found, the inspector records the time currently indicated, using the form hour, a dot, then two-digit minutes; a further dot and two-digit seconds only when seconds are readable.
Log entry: 7.06
